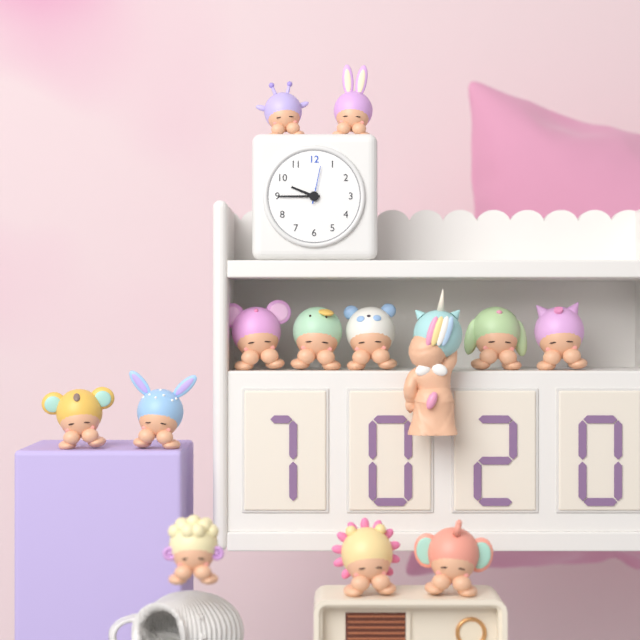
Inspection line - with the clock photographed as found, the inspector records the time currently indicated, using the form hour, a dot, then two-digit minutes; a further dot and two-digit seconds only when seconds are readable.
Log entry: 9.45
